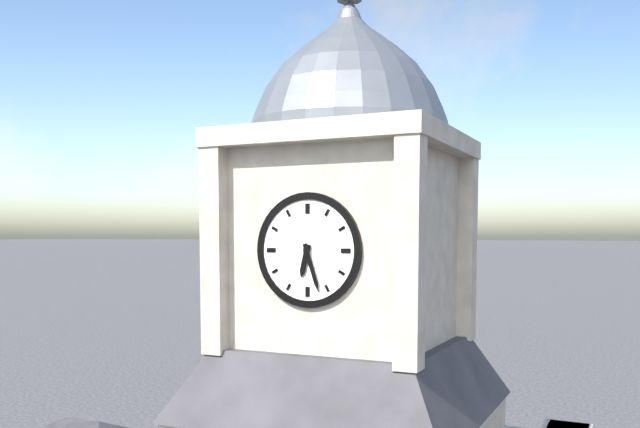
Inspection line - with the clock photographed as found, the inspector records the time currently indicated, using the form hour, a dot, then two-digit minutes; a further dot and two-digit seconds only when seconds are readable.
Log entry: 6.27
